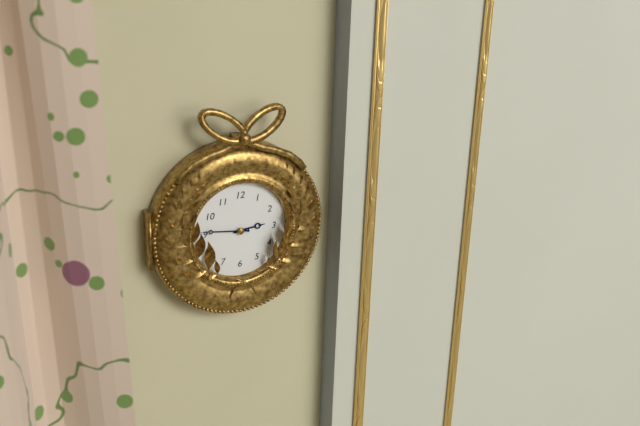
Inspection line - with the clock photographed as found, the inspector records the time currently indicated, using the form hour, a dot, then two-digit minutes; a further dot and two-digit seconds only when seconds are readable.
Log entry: 2.46
